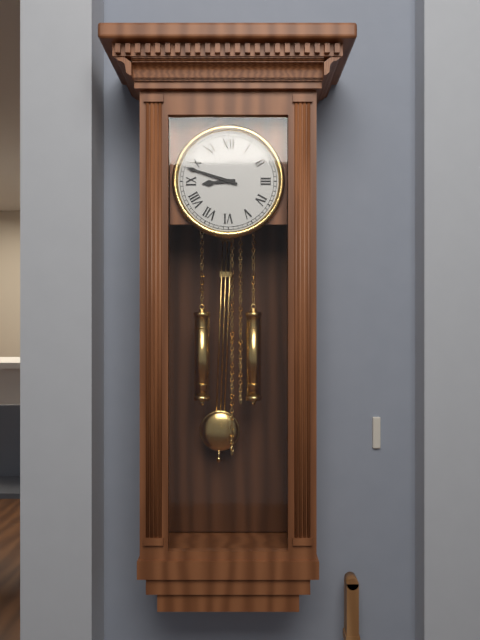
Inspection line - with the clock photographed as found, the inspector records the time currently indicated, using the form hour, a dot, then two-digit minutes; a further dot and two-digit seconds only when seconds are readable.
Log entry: 8.48
